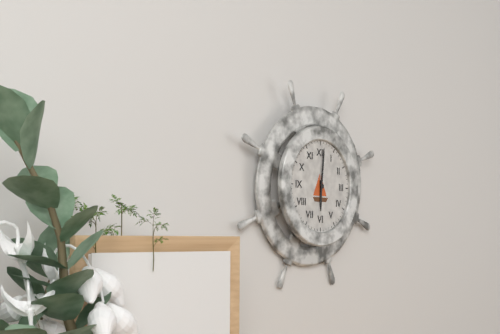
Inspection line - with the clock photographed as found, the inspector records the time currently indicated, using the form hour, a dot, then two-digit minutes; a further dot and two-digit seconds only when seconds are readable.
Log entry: 6.01
